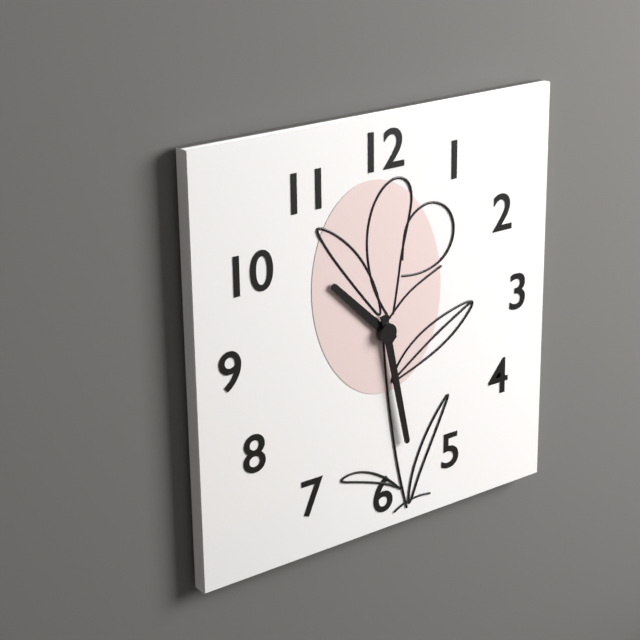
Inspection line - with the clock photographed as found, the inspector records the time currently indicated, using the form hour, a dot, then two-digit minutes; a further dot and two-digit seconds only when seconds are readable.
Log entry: 10.28
